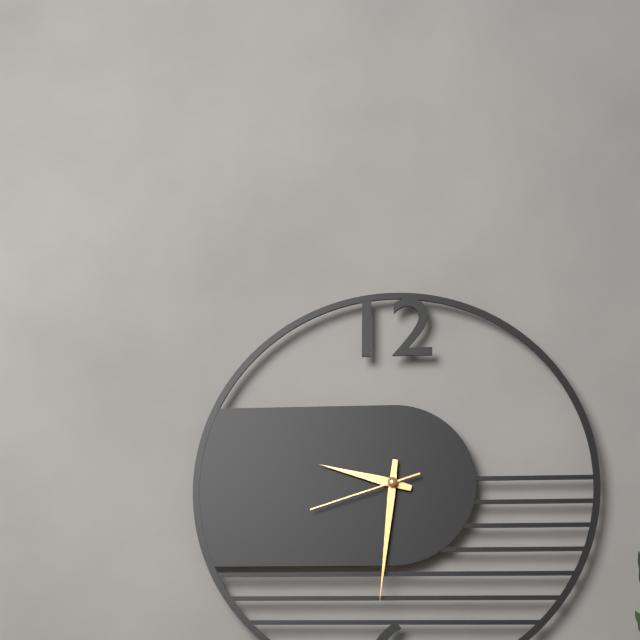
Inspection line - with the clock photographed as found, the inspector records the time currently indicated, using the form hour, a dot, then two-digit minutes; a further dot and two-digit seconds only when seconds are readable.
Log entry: 9.31.42
